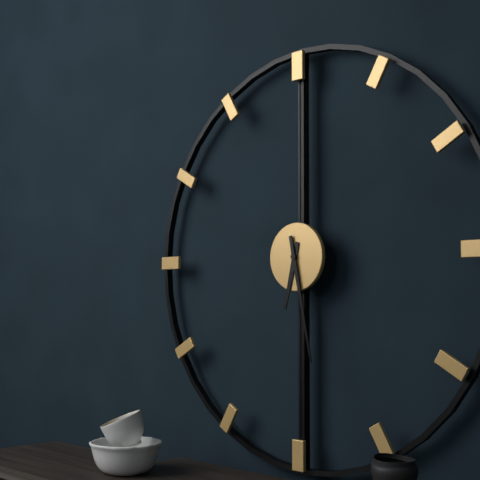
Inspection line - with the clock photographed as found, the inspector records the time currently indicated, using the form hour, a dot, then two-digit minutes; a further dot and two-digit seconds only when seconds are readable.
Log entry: 6.28
